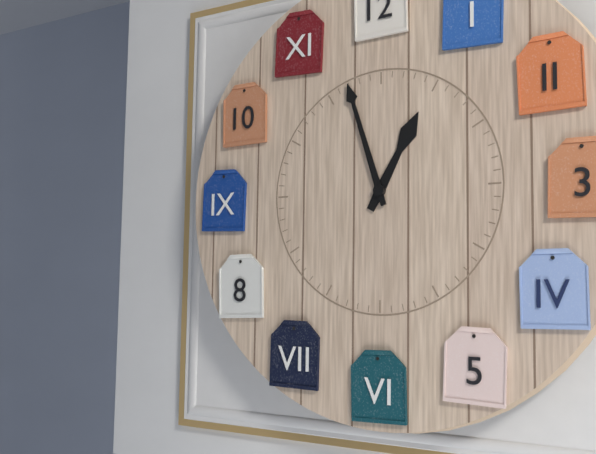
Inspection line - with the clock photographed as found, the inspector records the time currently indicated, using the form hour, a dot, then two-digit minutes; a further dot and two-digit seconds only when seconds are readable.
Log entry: 12.57
